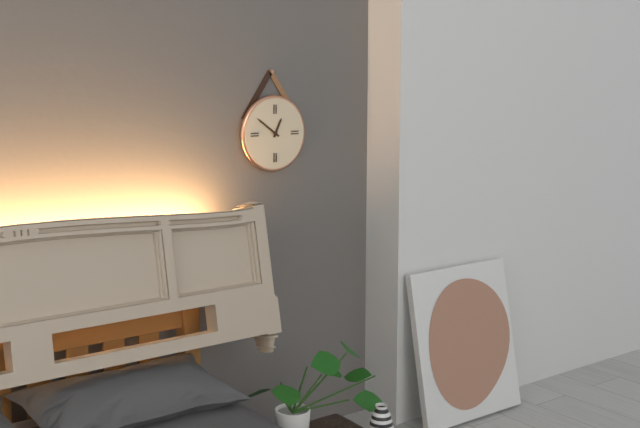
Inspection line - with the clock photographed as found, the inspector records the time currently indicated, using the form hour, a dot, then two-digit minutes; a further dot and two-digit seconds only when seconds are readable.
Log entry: 12.51
